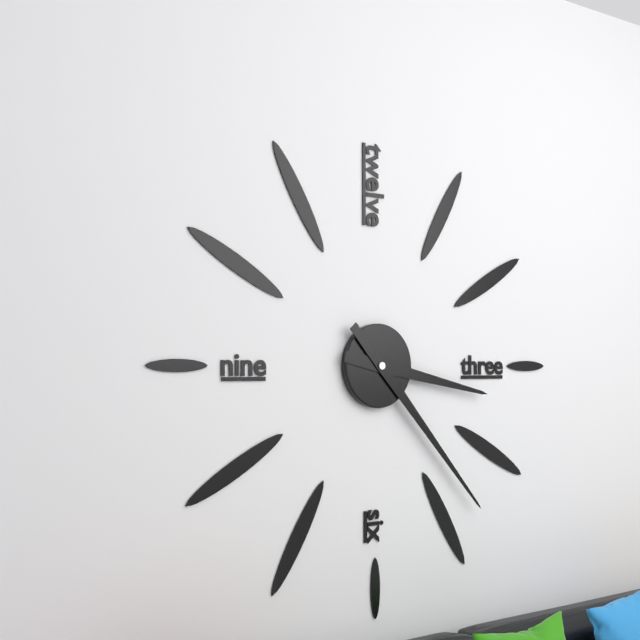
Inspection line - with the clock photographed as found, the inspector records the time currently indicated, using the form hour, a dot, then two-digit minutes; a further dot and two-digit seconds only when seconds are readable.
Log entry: 3.23
